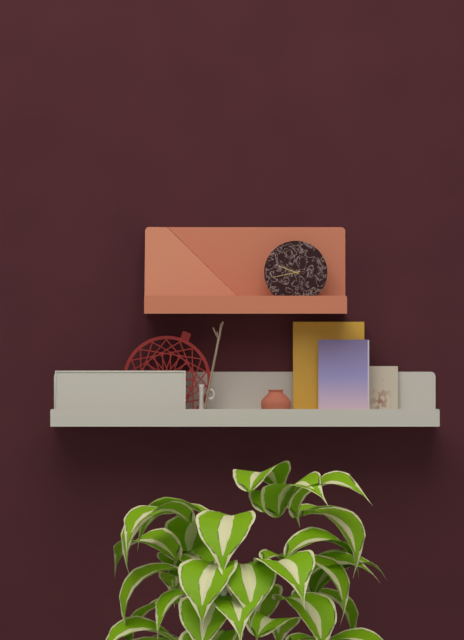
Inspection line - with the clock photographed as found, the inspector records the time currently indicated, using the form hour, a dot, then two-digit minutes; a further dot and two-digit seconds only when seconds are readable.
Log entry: 9.43
